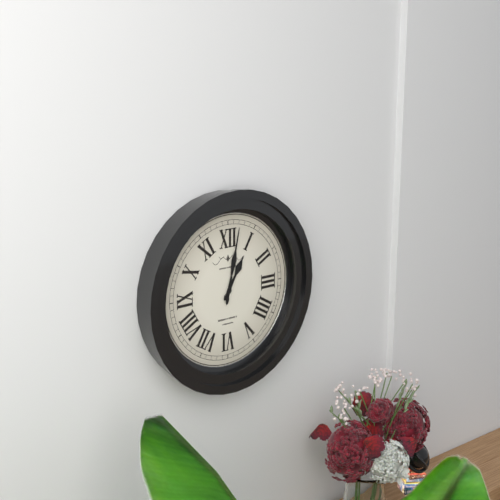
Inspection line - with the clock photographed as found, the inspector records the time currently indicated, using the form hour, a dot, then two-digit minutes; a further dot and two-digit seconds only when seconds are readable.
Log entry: 1.02
